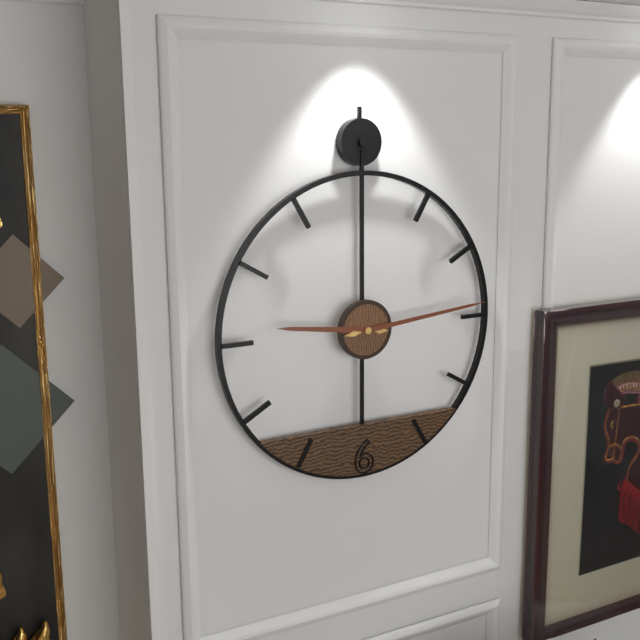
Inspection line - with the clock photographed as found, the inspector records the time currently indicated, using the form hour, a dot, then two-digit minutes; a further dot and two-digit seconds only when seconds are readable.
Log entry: 9.14
